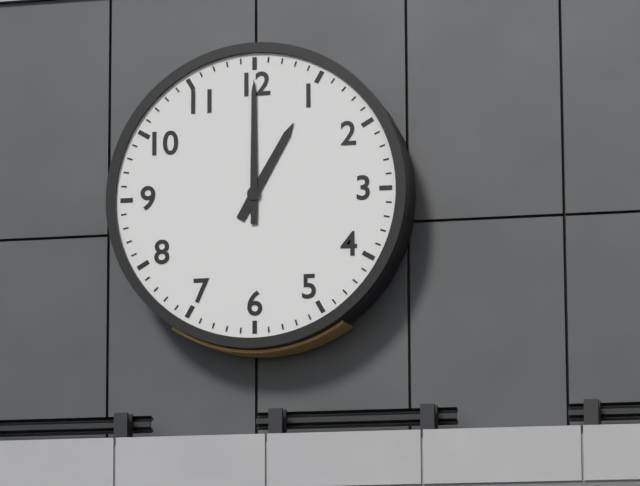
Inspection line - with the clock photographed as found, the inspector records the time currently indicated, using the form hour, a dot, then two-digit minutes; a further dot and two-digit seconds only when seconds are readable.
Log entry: 1.00
